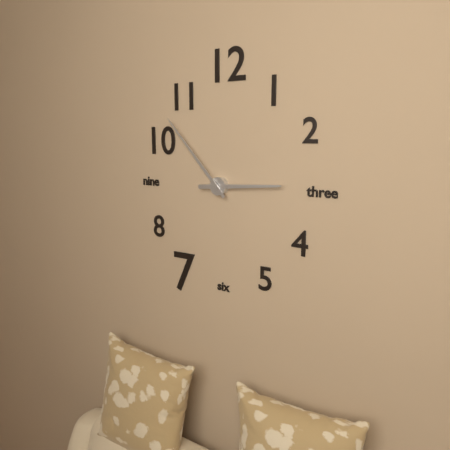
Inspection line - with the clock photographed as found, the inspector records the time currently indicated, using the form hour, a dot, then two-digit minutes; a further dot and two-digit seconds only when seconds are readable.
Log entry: 2.53
